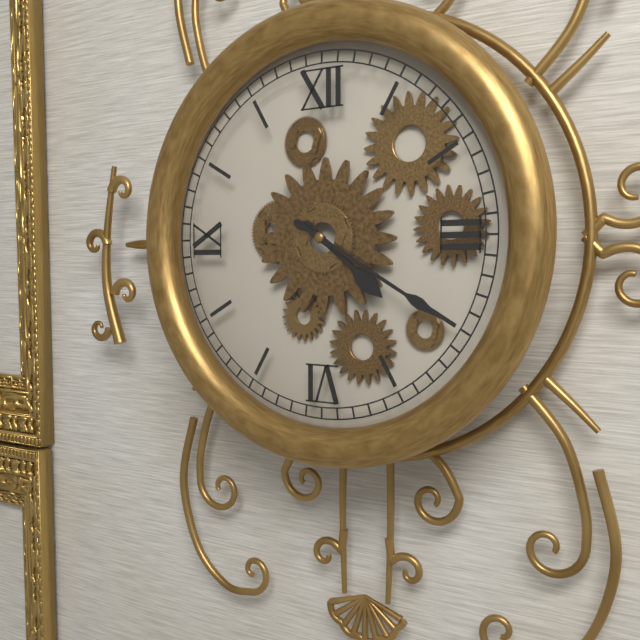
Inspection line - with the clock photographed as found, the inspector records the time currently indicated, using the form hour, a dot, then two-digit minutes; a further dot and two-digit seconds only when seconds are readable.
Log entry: 4.20
